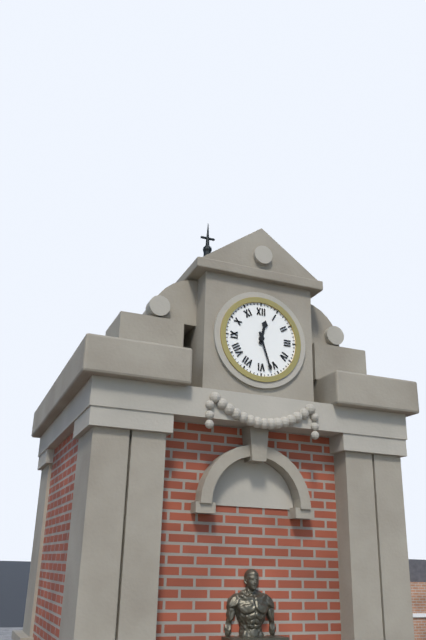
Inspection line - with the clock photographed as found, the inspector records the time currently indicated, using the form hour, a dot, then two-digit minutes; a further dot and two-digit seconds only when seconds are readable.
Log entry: 12.27
